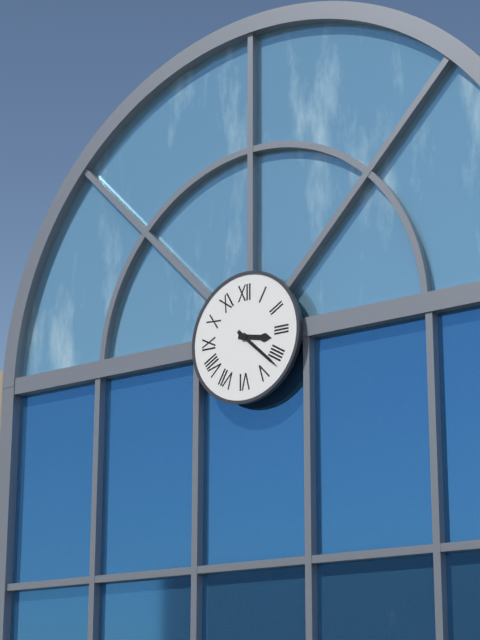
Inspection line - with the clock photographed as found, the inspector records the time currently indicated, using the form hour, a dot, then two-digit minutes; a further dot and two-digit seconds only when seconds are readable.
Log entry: 3.22
